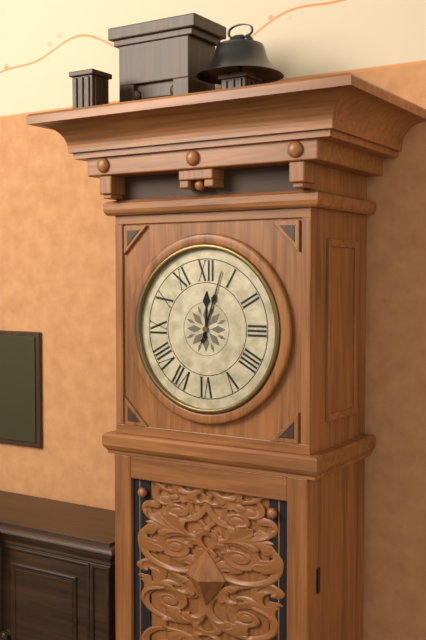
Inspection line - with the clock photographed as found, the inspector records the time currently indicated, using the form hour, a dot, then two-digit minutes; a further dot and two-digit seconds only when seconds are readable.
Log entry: 12.03
